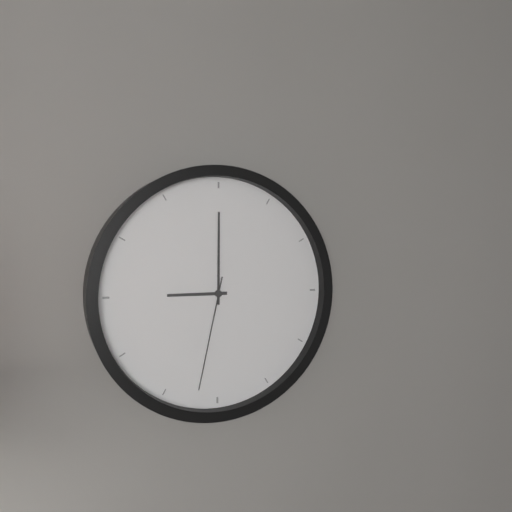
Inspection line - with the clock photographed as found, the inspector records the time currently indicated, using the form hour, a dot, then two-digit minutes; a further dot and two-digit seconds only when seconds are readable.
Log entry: 9.00.32
